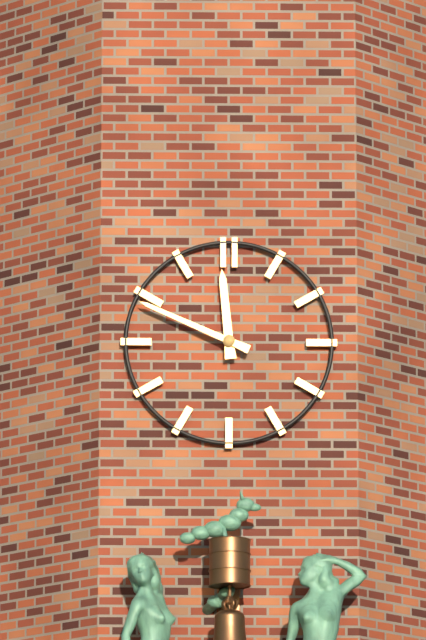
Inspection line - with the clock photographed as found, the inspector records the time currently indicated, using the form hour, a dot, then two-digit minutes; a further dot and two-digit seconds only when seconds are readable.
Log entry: 11.49
